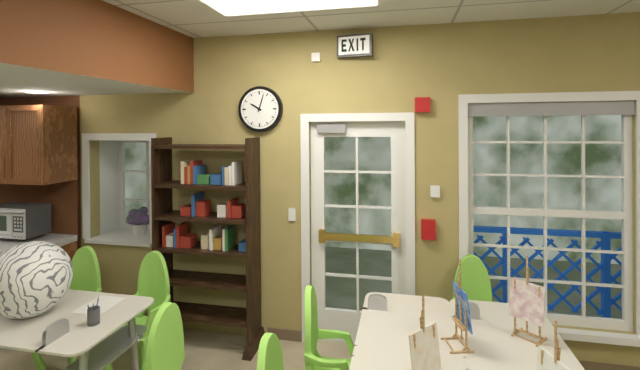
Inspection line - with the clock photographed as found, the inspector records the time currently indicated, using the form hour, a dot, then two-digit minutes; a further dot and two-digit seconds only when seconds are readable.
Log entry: 10.03
